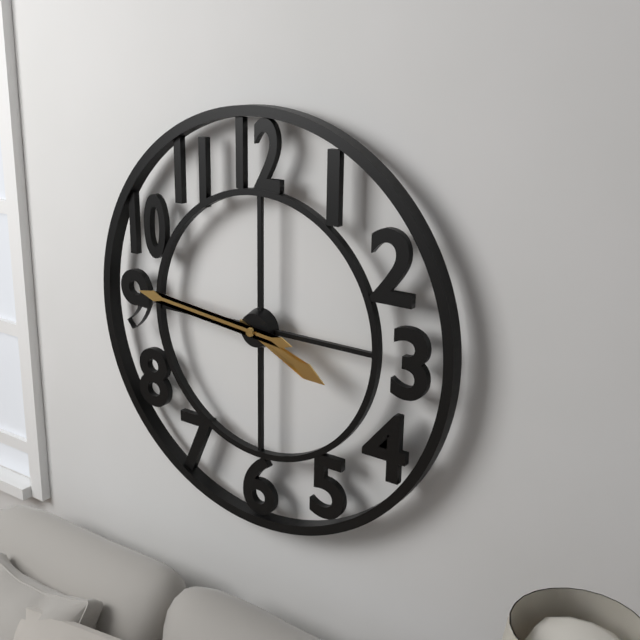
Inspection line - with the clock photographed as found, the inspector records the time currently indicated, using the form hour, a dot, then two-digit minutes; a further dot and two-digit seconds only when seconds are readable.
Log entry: 3.46
